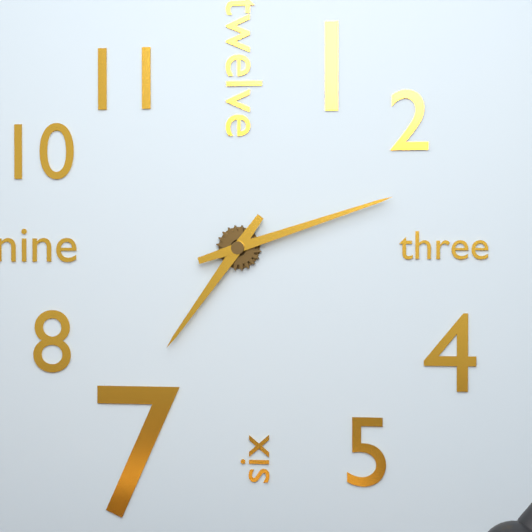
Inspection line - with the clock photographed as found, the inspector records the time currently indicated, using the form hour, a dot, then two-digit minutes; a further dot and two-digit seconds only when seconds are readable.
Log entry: 7.12
